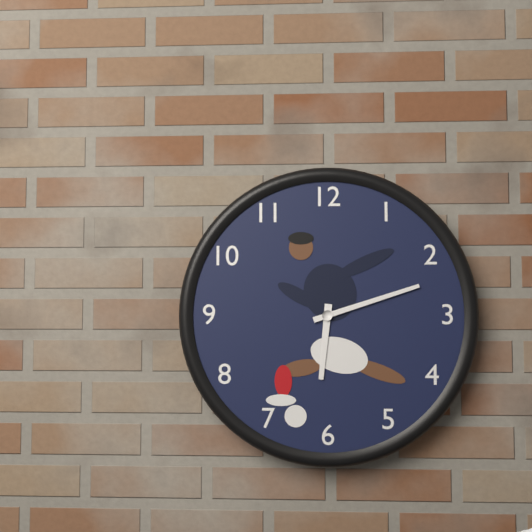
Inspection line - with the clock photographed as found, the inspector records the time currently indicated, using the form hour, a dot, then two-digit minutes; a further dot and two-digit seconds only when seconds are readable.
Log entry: 6.12
